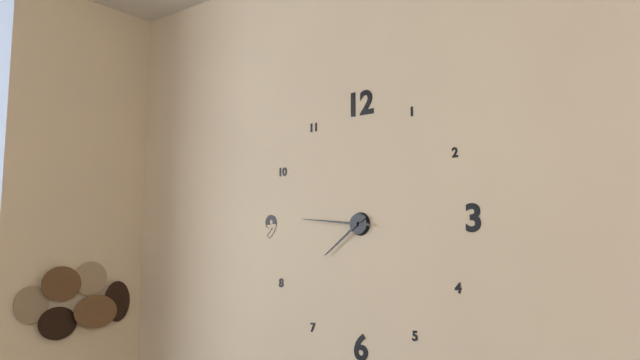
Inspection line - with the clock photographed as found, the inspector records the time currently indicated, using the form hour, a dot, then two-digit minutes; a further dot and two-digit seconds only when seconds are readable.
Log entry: 7.46
